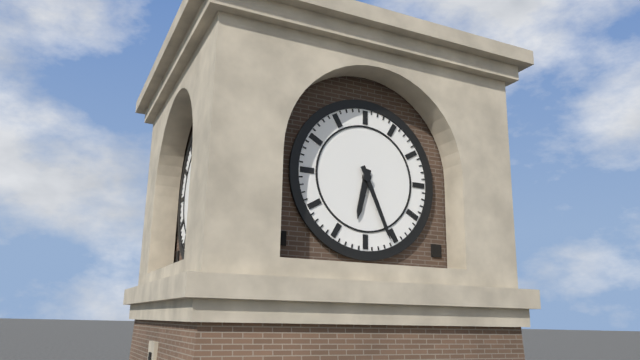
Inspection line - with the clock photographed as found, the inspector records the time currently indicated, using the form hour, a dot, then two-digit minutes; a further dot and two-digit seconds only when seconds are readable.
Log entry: 6.26
